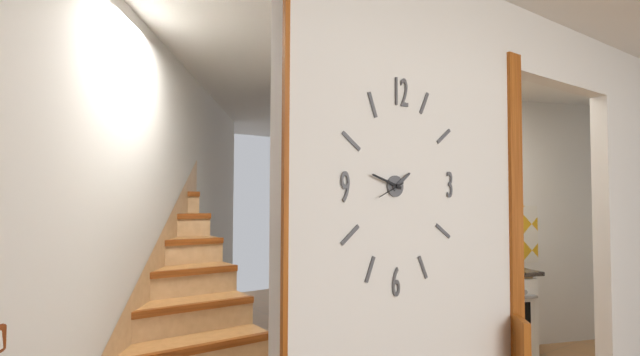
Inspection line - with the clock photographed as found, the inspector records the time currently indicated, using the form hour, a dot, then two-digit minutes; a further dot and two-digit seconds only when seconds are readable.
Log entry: 1.48
